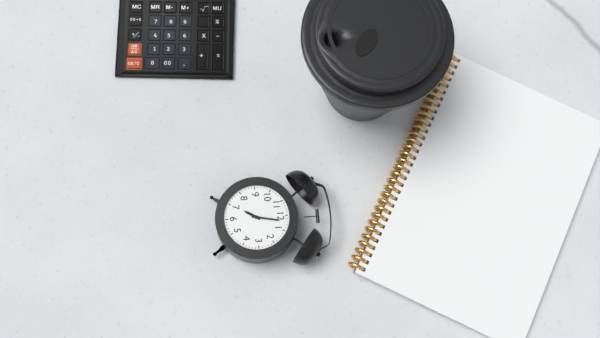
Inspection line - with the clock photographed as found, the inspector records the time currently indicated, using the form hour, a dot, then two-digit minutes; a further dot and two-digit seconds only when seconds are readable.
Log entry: 7.02
